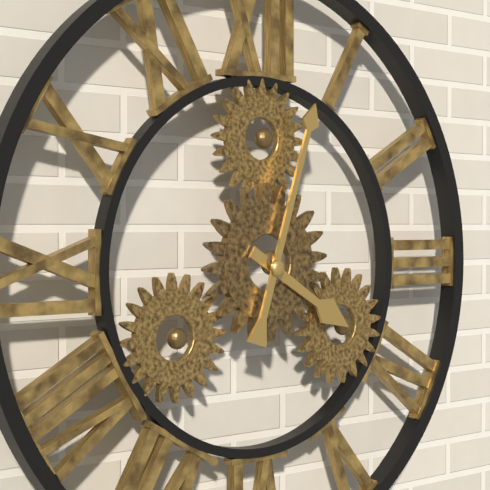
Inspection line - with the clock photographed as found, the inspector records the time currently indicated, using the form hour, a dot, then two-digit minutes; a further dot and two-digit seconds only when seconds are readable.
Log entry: 4.03
